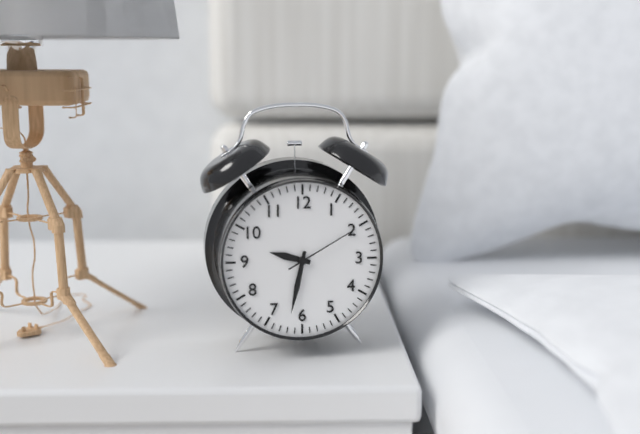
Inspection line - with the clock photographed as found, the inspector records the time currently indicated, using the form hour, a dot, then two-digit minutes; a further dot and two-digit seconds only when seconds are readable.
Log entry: 9.32.10
